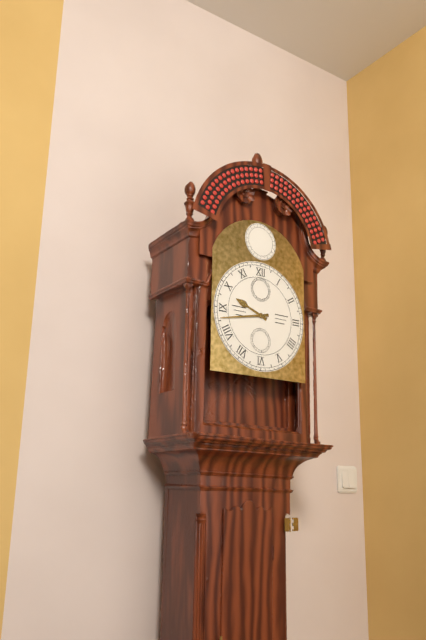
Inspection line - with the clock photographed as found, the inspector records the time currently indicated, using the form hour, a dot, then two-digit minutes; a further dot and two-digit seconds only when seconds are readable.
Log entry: 9.43
